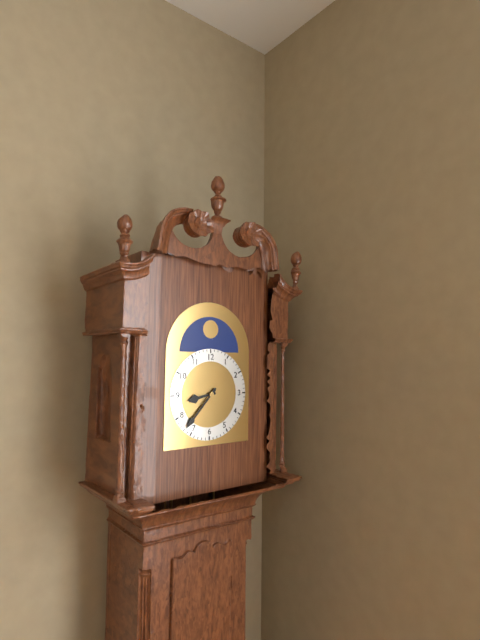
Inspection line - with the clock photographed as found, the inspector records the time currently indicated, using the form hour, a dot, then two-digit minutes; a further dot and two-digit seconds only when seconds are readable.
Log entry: 8.37
